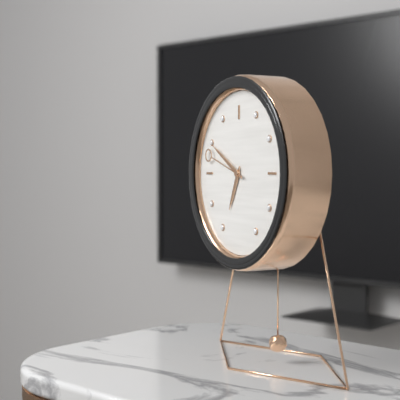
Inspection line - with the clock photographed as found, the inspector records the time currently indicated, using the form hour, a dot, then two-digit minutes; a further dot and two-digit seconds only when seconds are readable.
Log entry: 6.50
